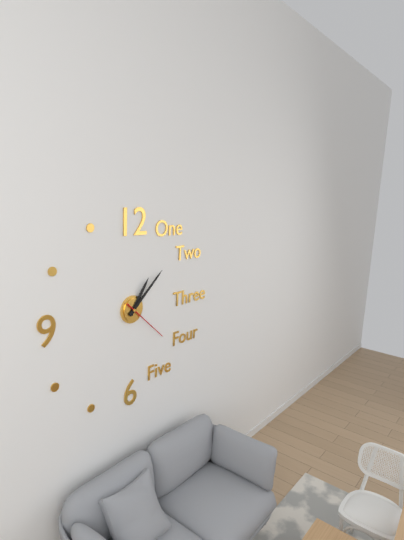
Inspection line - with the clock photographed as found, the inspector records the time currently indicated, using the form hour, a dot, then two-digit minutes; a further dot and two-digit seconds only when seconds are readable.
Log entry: 1.08
